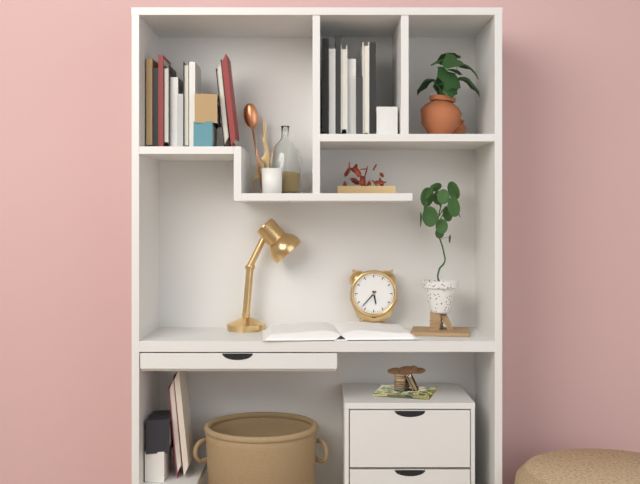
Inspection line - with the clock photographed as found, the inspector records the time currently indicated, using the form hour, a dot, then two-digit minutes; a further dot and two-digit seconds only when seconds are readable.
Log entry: 5.37
